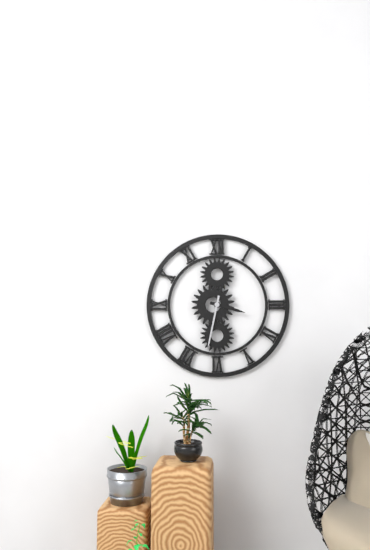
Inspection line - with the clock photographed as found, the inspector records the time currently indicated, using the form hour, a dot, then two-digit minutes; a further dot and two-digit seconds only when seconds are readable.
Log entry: 3.32
